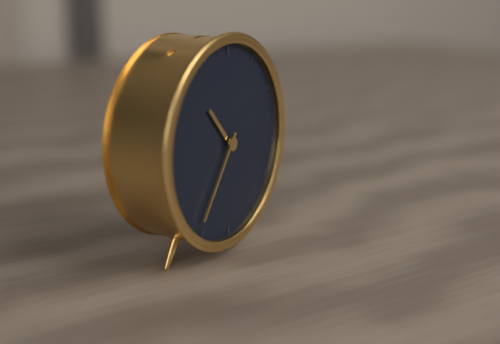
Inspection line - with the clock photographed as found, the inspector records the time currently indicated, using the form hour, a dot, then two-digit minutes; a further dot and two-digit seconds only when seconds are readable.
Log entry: 10.36
